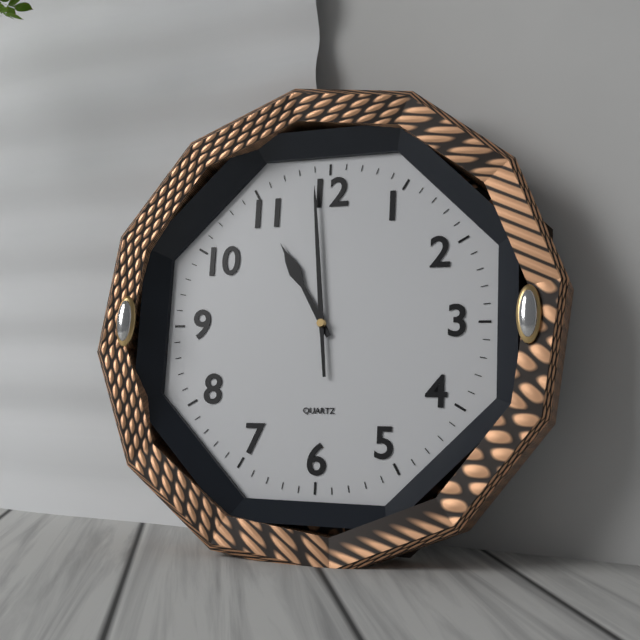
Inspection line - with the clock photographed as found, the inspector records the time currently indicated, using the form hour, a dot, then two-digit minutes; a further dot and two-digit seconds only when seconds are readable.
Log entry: 10.59
